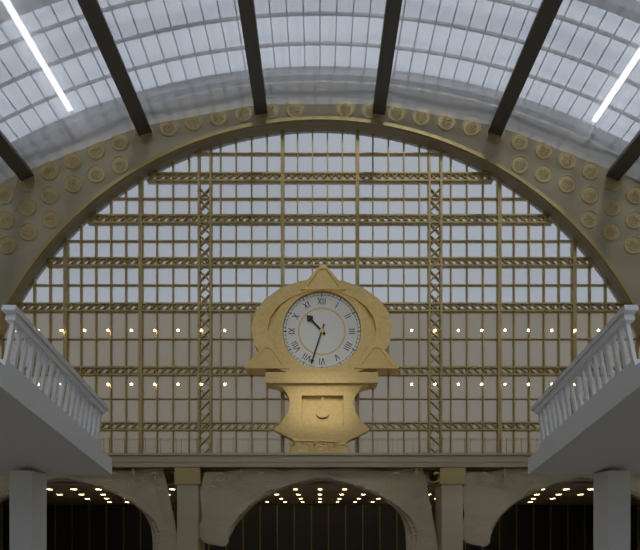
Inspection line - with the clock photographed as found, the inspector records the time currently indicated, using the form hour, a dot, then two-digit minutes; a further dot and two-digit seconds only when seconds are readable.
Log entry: 10.33
